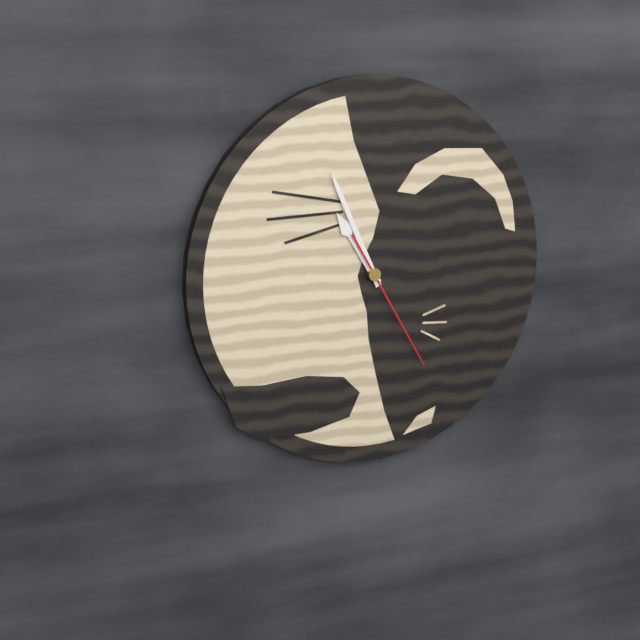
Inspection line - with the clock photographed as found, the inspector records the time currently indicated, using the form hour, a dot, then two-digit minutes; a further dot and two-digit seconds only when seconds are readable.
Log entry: 10.56.25
